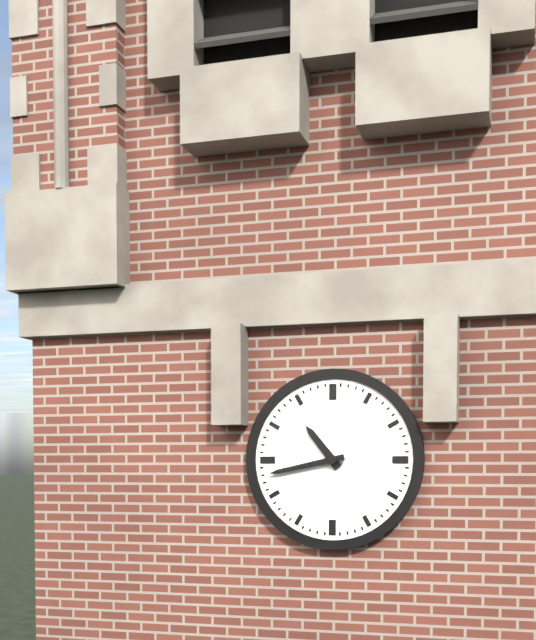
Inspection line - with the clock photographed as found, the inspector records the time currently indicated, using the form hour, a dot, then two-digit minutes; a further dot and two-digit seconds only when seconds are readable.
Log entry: 10.43
